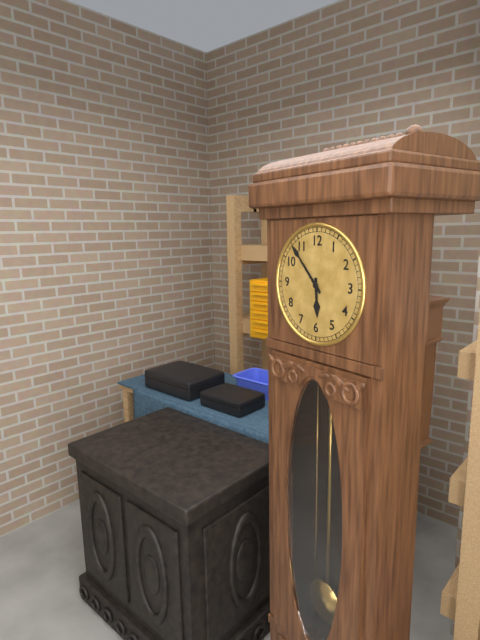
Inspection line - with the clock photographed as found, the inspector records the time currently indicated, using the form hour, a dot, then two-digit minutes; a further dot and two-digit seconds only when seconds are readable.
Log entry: 5.53
